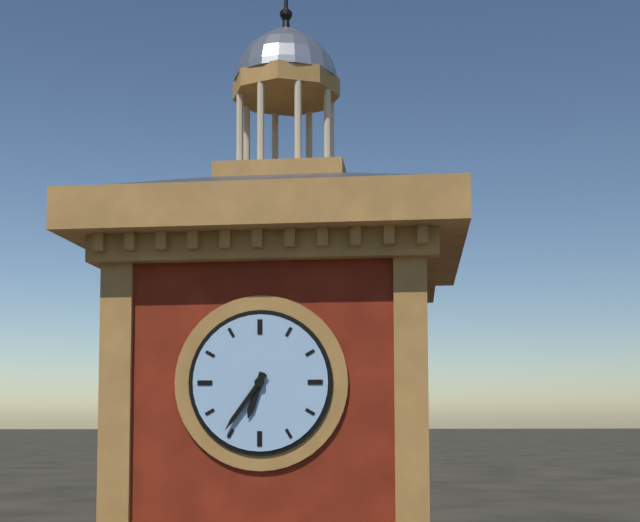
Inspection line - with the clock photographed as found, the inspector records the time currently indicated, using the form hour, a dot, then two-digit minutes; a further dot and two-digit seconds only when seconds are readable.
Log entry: 6.36
